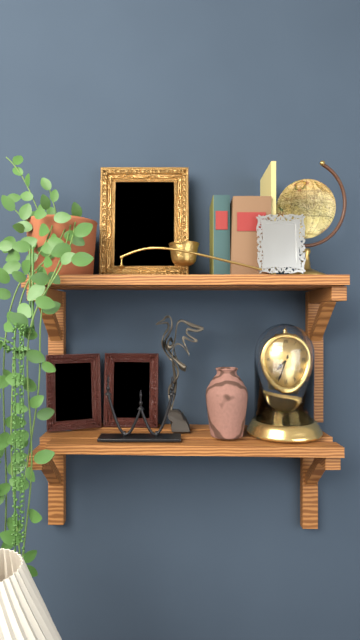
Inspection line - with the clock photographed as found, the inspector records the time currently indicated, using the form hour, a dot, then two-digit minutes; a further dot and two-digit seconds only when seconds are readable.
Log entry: 7.34
